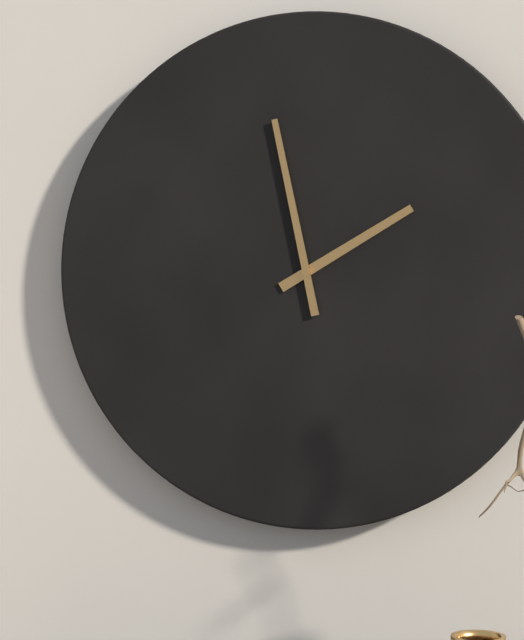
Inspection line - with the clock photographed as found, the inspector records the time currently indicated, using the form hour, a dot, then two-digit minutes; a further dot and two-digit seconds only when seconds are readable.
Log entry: 1.58
